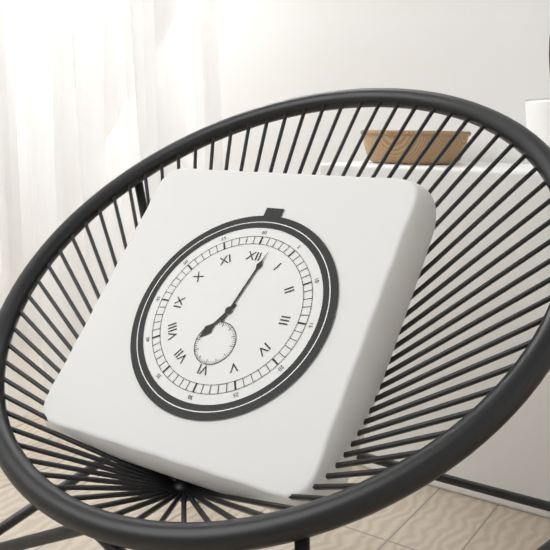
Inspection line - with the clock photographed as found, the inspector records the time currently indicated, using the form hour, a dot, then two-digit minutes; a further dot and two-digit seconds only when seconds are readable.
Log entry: 7.02
